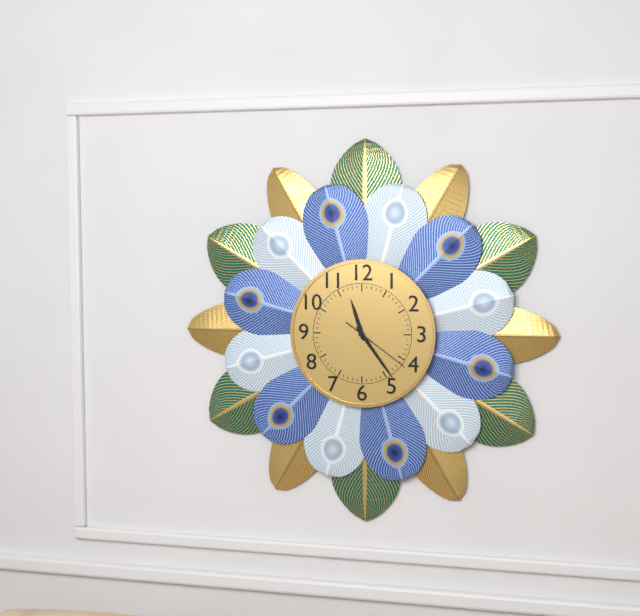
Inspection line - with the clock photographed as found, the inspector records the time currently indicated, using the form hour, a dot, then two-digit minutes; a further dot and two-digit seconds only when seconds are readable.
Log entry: 11.24.21
